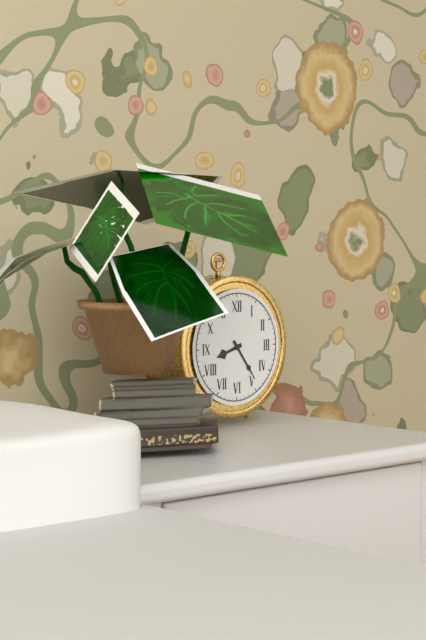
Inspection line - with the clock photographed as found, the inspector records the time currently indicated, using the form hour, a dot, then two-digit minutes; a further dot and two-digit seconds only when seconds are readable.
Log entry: 8.24
